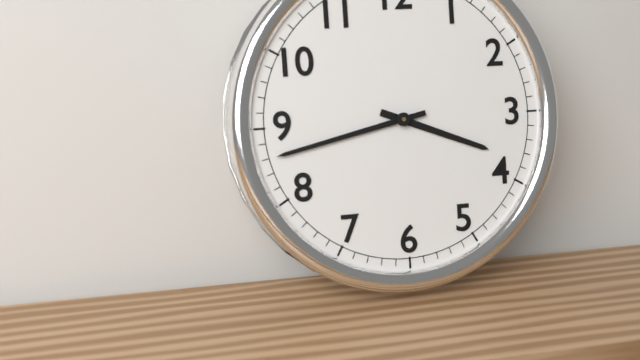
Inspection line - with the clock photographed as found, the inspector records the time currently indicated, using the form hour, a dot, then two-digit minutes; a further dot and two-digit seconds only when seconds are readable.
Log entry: 3.43
